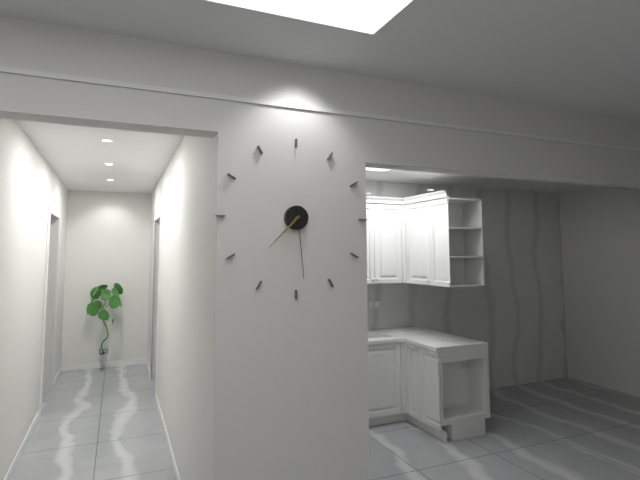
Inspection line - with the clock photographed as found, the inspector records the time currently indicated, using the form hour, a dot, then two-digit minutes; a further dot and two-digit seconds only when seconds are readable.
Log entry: 7.29
